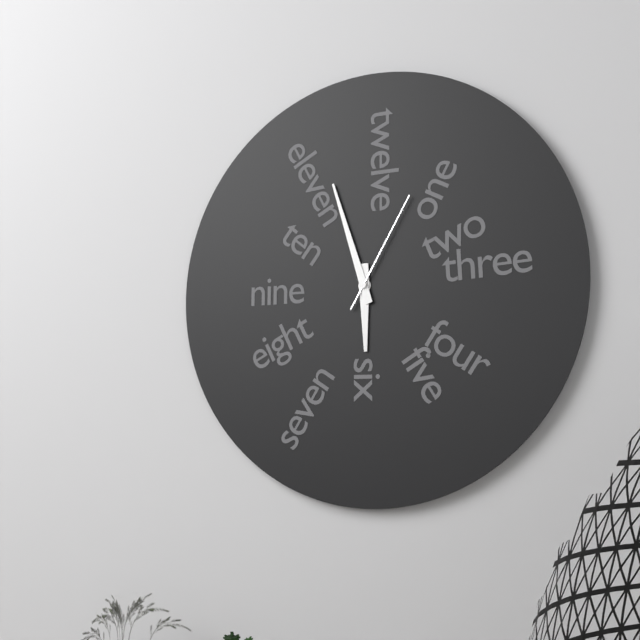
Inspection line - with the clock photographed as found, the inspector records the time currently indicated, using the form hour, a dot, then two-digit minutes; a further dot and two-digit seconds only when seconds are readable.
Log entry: 5.57.05
